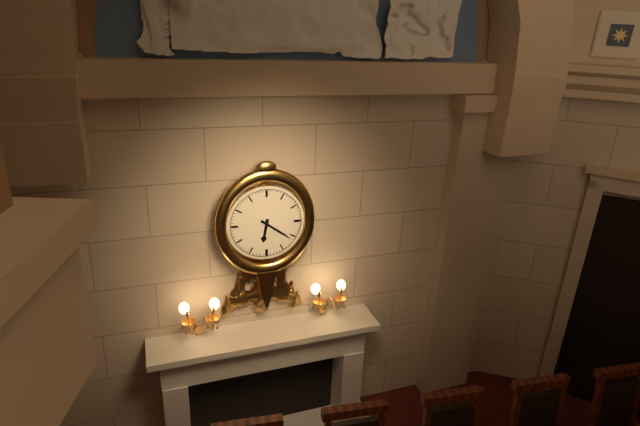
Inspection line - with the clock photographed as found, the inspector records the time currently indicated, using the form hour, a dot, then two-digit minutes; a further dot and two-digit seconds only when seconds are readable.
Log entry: 6.21
